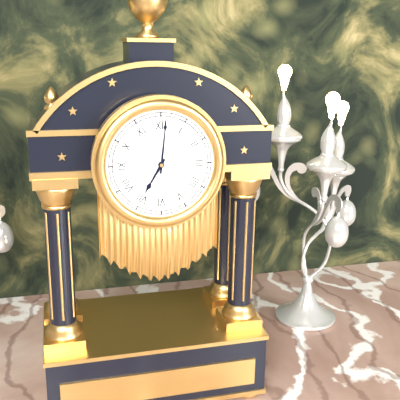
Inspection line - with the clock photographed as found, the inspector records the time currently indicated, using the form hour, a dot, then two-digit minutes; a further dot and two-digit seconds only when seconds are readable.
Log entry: 7.01
